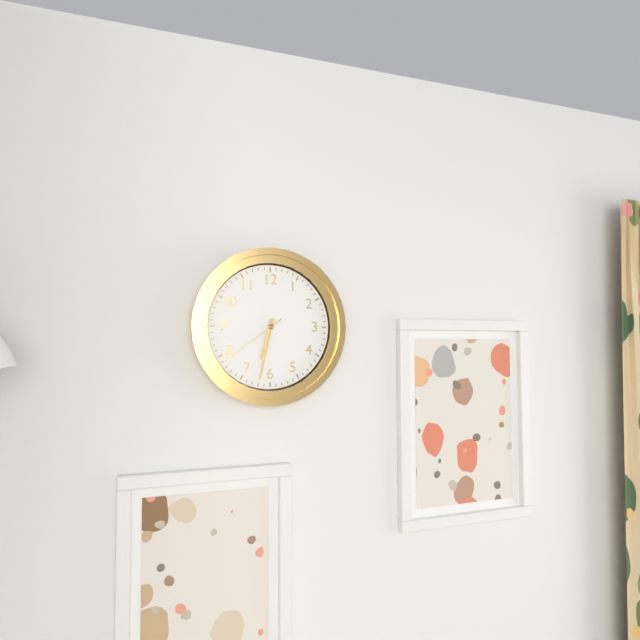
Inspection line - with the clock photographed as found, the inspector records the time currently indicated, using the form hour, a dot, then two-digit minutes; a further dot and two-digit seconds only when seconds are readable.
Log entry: 6.32.39
